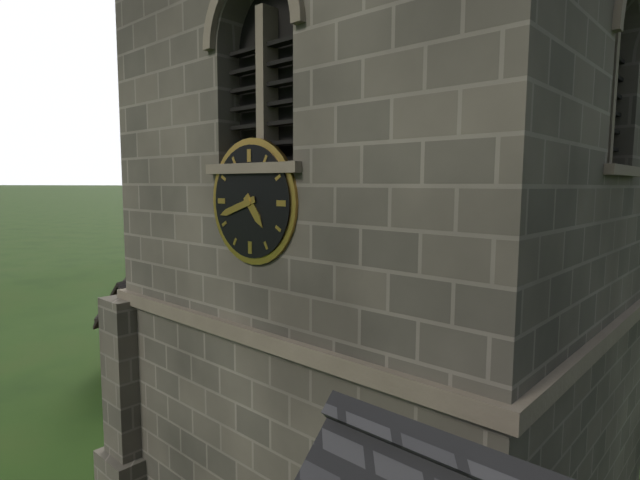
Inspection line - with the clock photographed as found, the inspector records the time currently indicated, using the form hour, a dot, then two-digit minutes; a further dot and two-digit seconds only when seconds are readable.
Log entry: 4.42
